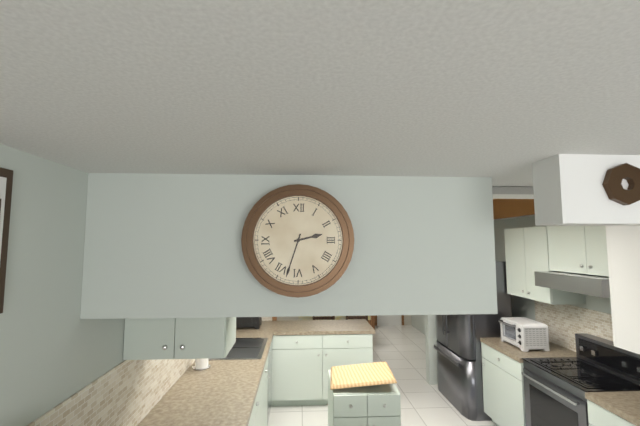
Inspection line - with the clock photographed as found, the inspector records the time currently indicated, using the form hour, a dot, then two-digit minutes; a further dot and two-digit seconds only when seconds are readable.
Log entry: 2.33
